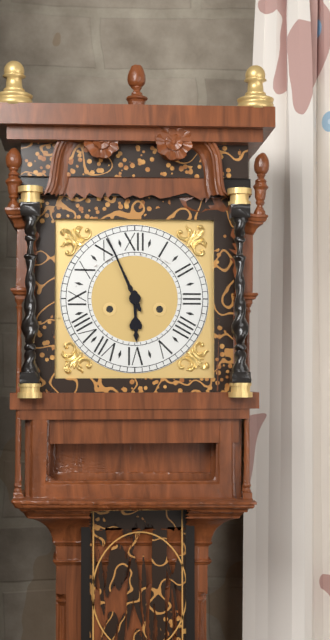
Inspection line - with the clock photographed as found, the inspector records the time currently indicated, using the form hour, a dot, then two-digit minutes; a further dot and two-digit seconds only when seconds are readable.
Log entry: 5.56
